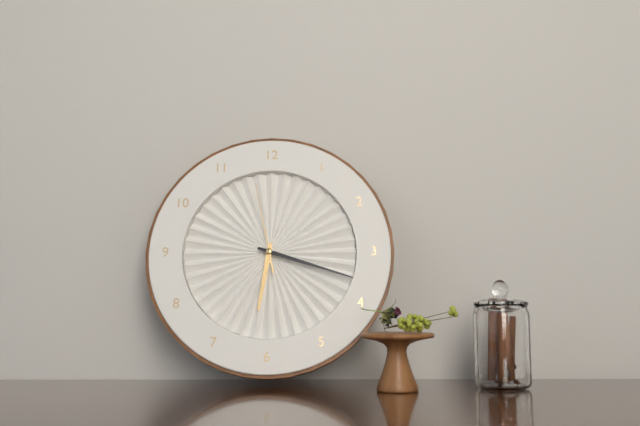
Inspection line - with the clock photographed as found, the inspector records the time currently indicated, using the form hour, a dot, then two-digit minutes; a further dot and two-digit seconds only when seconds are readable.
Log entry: 6.18.58
